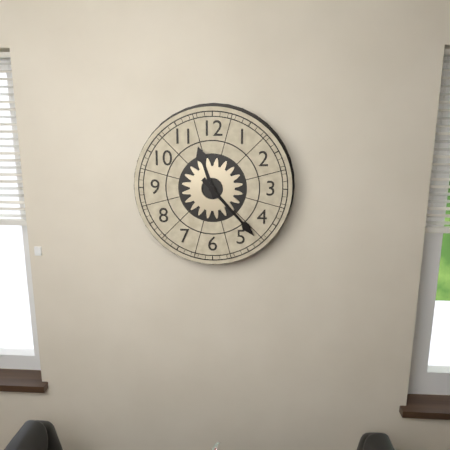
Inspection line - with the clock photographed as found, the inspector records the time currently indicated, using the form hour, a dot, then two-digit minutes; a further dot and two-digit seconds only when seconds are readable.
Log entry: 11.23
